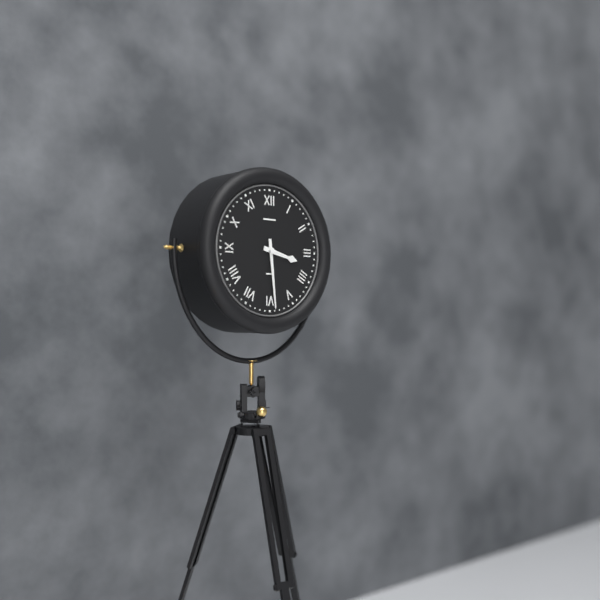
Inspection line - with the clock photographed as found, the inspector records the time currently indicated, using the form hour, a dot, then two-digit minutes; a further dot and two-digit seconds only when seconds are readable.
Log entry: 3.29
